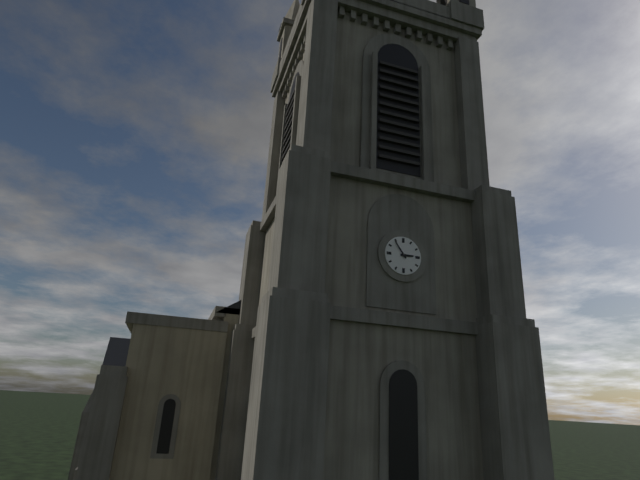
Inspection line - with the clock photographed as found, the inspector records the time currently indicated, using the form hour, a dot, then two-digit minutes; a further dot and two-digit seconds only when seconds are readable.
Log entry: 2.54
